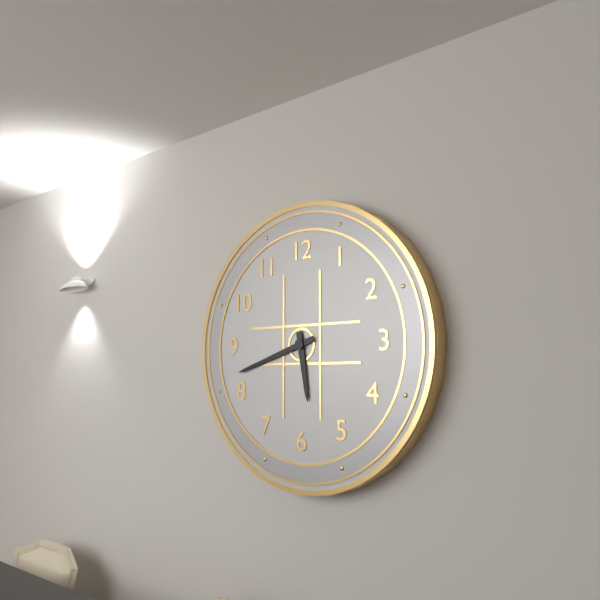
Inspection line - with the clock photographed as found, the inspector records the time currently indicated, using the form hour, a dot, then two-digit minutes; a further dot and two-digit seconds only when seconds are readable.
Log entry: 5.42
